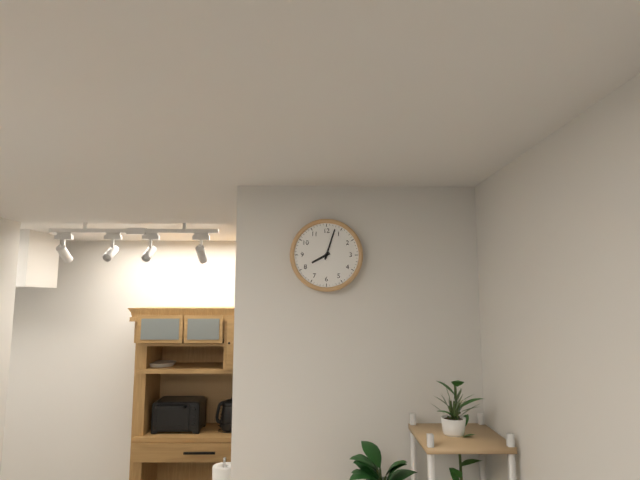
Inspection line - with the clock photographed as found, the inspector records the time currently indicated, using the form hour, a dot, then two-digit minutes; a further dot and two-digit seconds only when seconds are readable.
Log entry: 8.03
